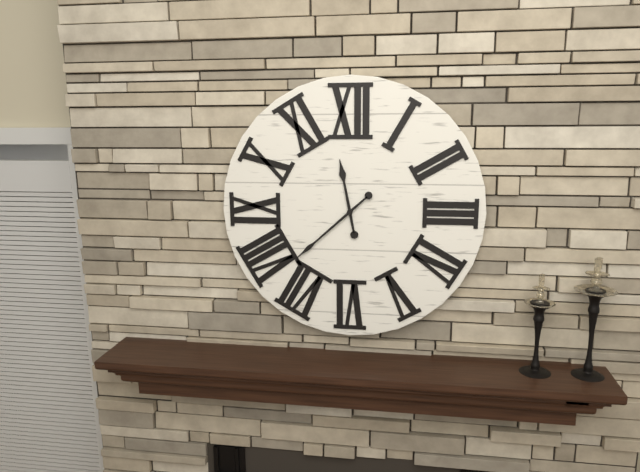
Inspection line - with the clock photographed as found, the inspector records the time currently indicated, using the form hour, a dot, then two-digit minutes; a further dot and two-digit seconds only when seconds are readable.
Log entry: 11.38
